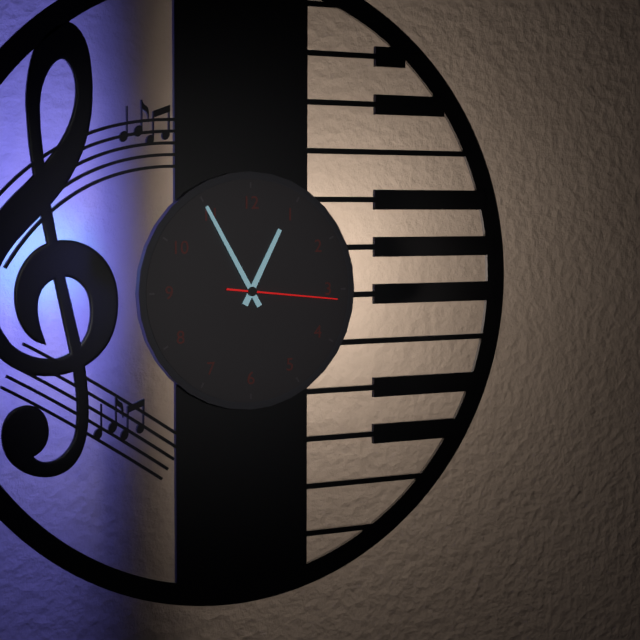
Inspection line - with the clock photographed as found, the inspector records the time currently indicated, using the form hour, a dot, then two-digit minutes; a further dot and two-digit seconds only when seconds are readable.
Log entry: 12.55.16
